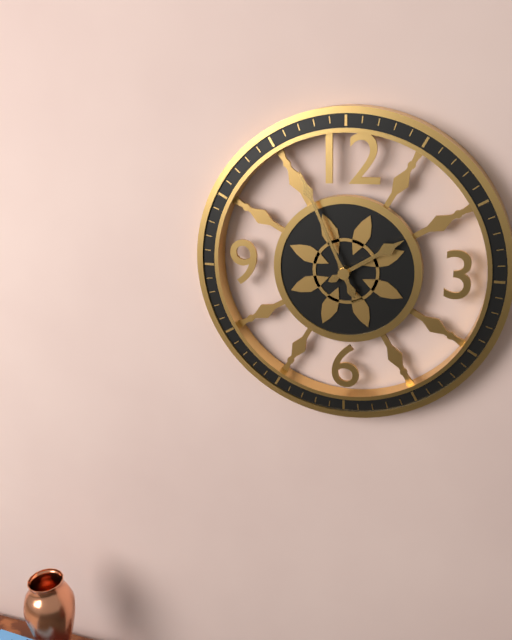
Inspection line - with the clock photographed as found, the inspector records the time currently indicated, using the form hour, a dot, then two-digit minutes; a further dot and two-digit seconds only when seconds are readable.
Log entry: 1.56
